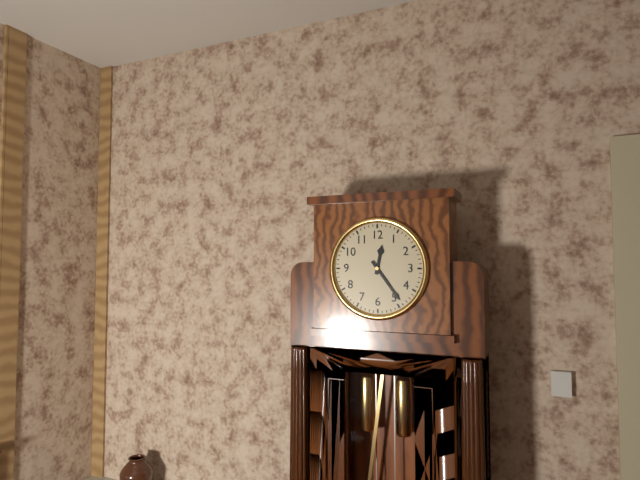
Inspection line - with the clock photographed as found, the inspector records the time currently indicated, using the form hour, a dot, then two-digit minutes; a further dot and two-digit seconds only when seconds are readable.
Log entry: 12.24
